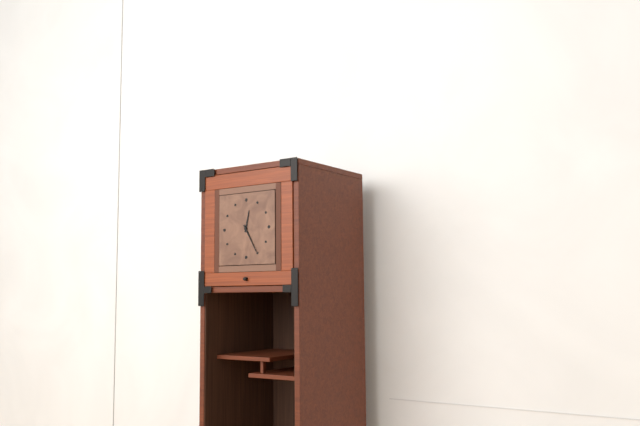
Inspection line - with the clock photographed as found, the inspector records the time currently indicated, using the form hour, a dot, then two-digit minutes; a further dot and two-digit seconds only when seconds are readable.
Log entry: 12.25
